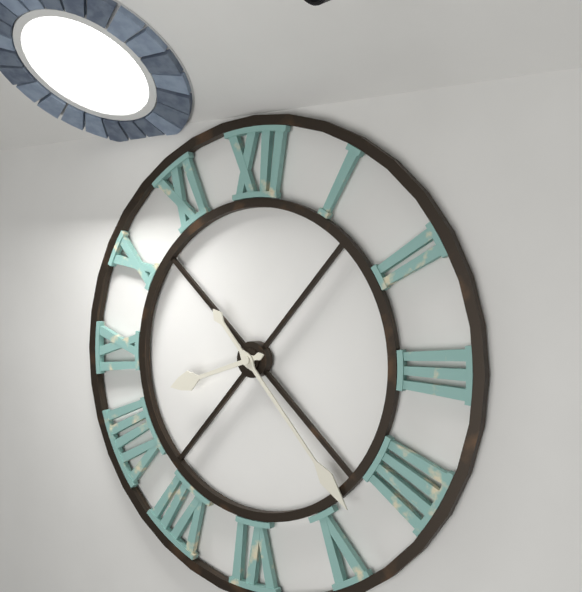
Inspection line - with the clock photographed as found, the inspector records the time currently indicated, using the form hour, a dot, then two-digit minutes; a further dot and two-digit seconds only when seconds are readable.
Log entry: 8.23
